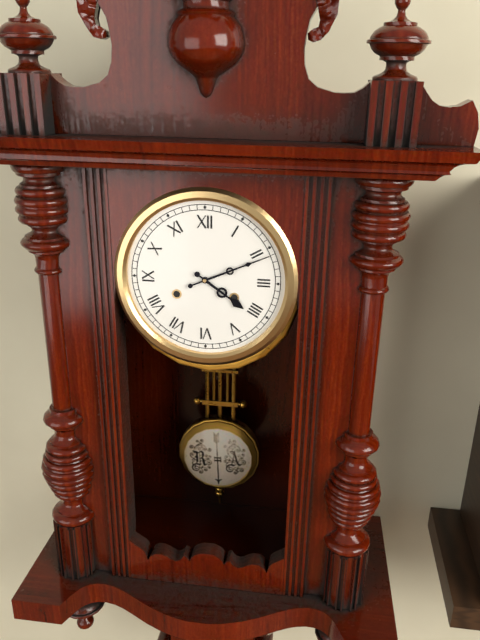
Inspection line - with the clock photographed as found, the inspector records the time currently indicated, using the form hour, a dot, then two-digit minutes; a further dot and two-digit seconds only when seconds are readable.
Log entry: 4.11
